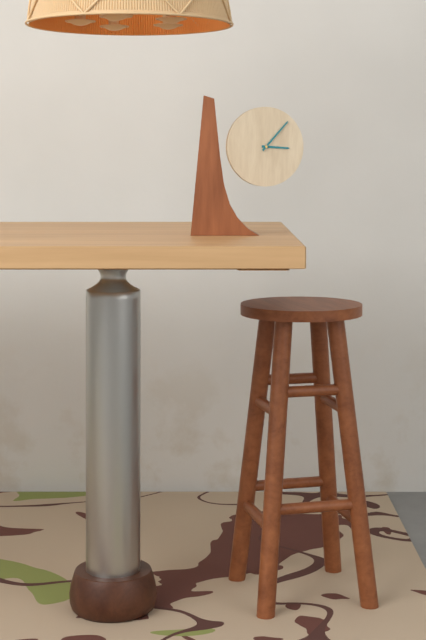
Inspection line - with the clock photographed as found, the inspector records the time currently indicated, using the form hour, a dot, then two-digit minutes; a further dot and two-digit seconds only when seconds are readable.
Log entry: 3.07
